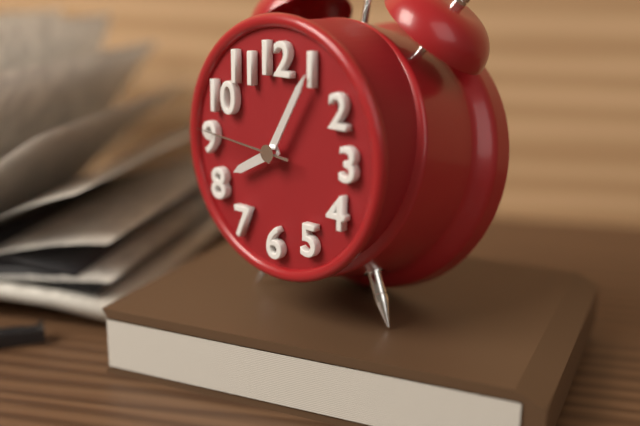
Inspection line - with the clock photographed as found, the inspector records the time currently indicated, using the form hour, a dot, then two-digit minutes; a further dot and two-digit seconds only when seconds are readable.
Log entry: 8.05.46
